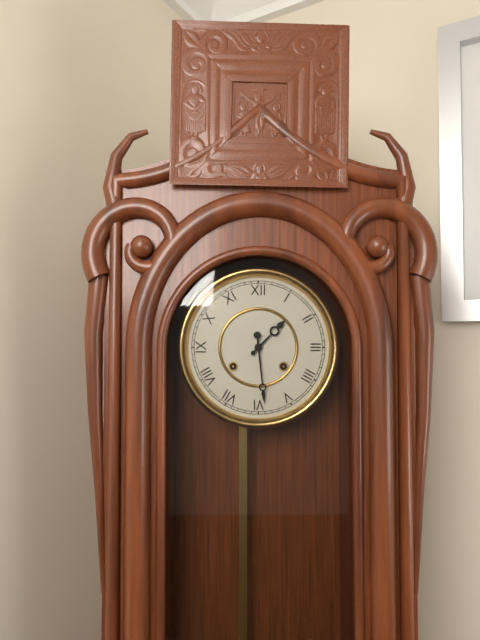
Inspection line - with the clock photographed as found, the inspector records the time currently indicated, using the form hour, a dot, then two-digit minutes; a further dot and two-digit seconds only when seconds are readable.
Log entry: 1.29
